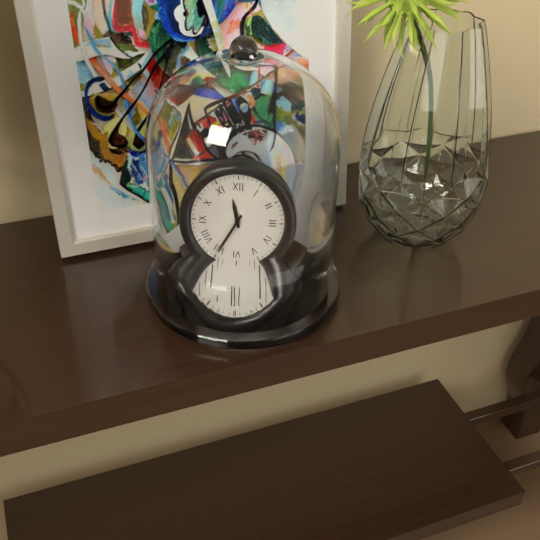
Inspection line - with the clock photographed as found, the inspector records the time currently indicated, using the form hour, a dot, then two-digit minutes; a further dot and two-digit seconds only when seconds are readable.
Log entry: 11.35
